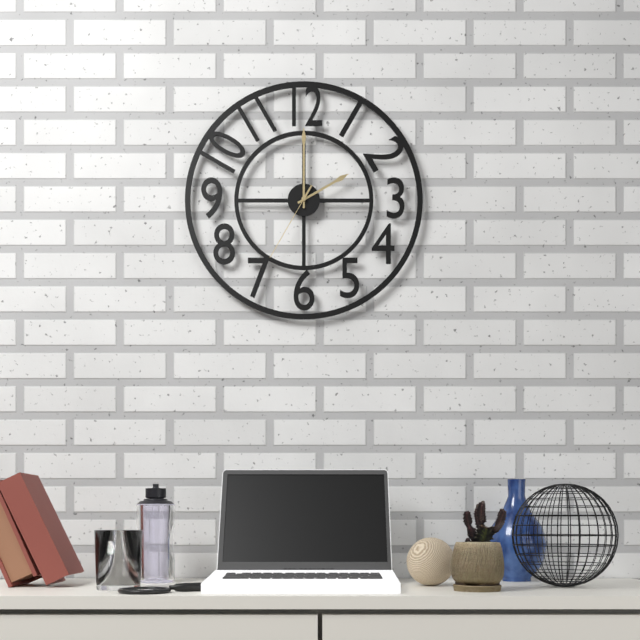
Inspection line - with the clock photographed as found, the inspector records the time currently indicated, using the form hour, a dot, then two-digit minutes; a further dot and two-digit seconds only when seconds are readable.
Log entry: 2.00.35
